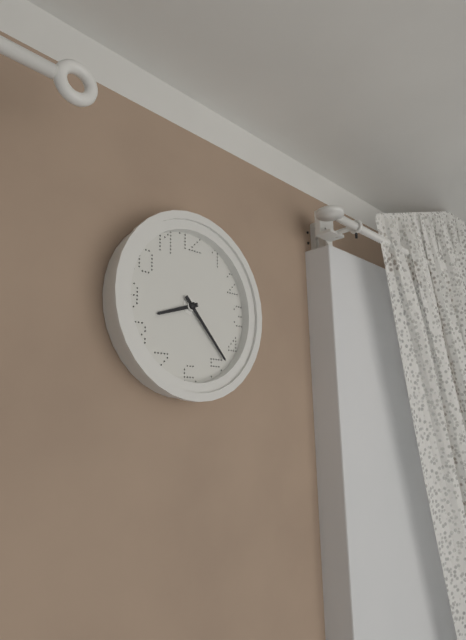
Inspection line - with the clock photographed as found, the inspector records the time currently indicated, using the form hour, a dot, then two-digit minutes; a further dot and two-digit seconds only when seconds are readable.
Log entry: 8.23
